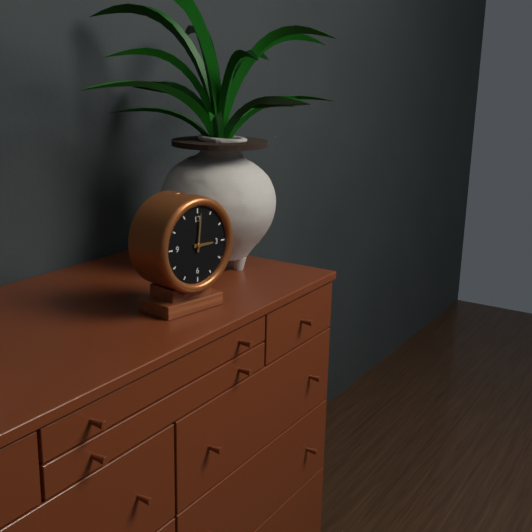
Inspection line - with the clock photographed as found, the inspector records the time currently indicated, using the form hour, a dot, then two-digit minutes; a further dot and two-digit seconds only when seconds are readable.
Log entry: 3.01
